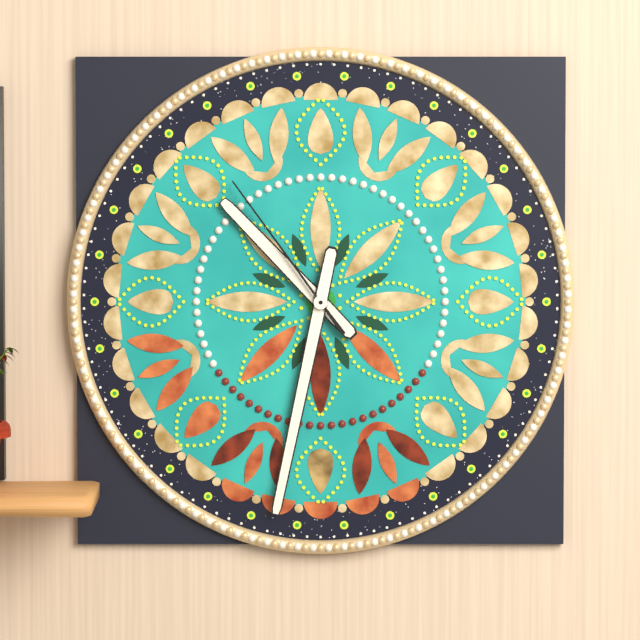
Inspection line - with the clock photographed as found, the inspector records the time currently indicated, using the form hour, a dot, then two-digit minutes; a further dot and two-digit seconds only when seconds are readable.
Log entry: 10.32.54
